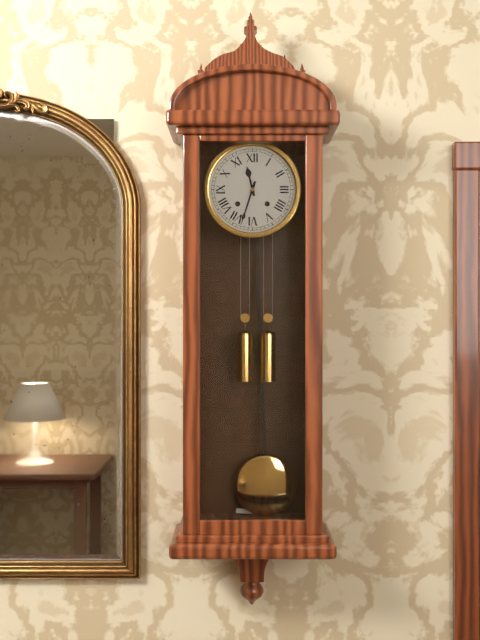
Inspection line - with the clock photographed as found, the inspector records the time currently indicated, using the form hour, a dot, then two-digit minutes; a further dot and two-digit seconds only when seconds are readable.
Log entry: 11.33
